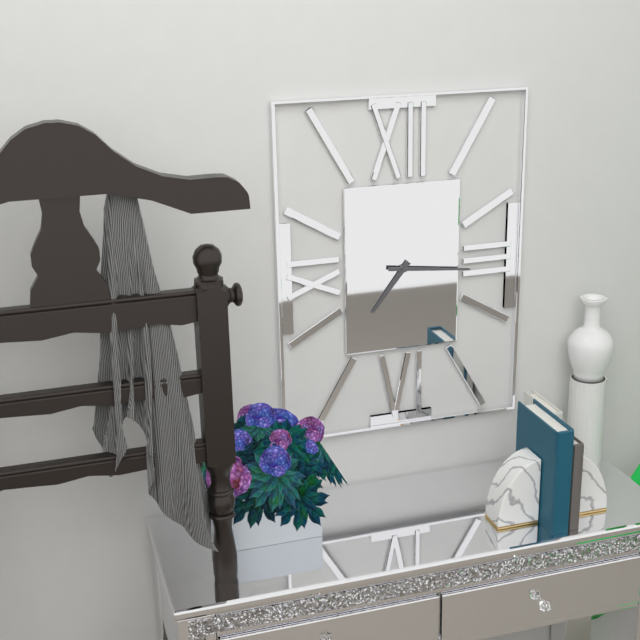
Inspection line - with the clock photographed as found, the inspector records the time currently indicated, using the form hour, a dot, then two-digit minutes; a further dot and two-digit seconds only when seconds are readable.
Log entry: 7.16
